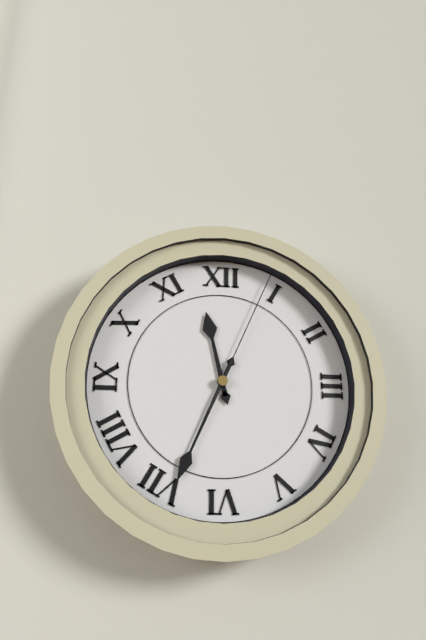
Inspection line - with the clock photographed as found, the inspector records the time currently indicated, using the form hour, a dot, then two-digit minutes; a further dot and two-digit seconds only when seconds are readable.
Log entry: 11.34.04
